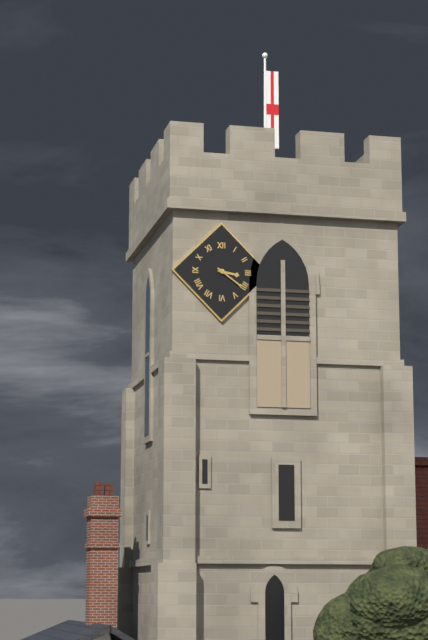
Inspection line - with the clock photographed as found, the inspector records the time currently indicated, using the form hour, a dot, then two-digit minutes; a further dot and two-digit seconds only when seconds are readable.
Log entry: 3.21
